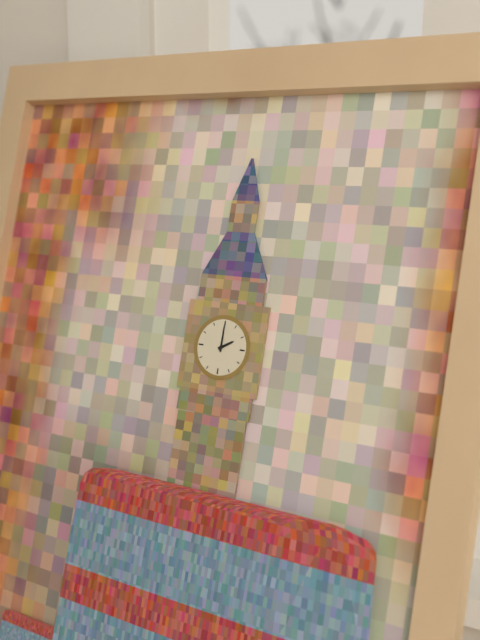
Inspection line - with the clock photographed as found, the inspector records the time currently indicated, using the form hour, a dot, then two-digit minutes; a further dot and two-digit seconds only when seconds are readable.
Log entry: 2.00
